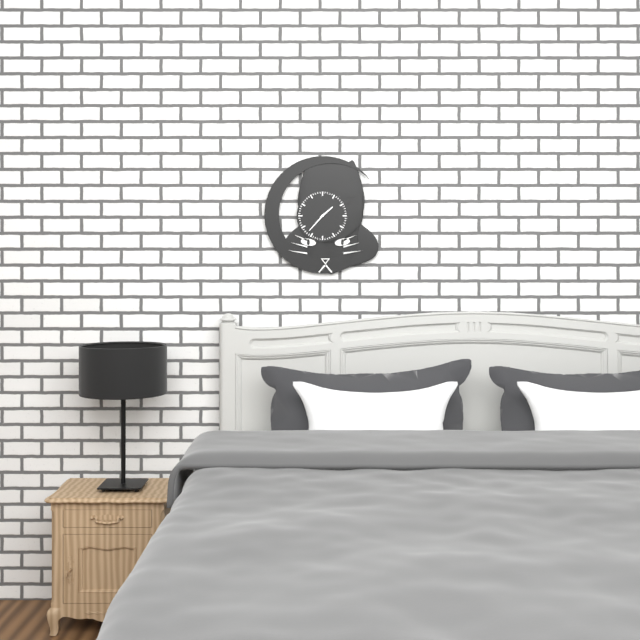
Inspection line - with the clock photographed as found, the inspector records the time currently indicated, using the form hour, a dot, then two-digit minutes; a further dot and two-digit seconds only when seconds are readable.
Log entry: 1.37
